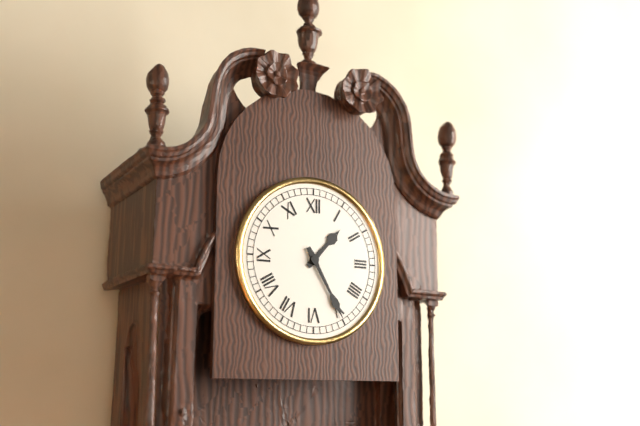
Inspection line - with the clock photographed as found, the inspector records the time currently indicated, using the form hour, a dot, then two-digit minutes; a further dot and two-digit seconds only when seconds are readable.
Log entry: 1.25
